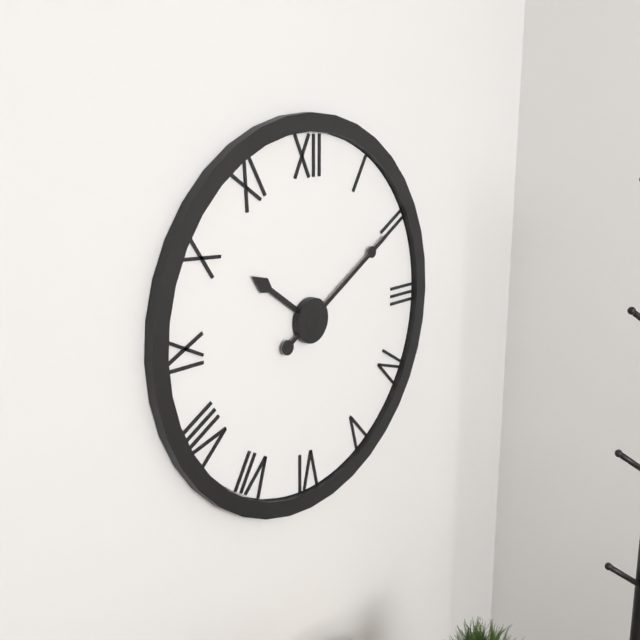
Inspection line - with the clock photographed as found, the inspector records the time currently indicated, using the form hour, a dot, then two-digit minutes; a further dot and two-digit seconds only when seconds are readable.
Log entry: 10.10
